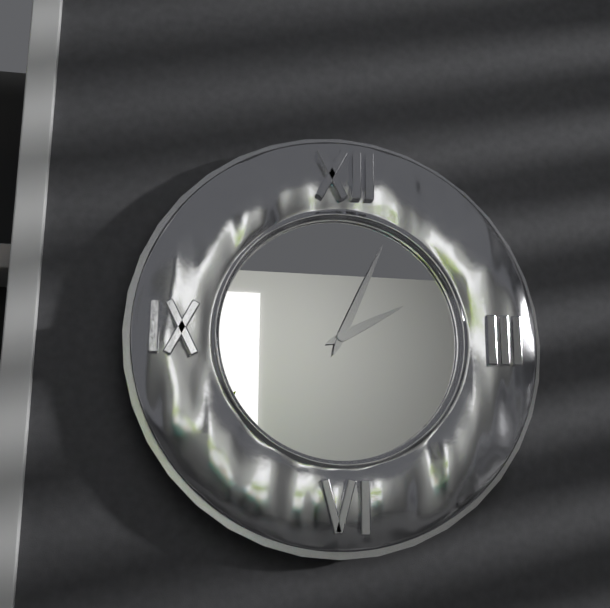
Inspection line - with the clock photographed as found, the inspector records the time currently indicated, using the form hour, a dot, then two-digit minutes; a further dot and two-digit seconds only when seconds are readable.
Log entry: 2.04
